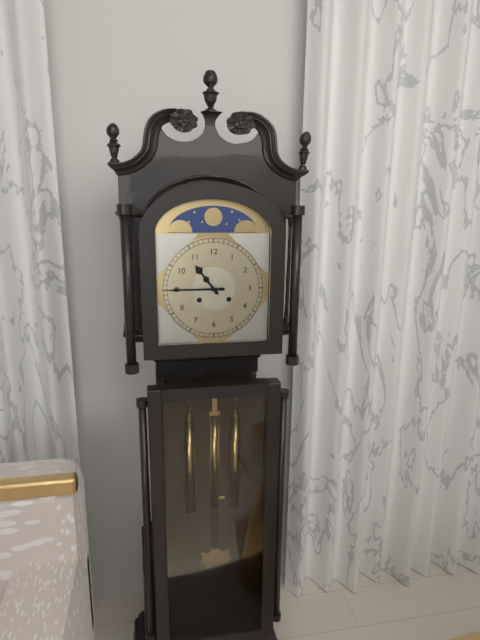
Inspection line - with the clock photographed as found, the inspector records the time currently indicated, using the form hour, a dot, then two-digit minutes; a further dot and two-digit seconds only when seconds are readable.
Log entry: 10.45
